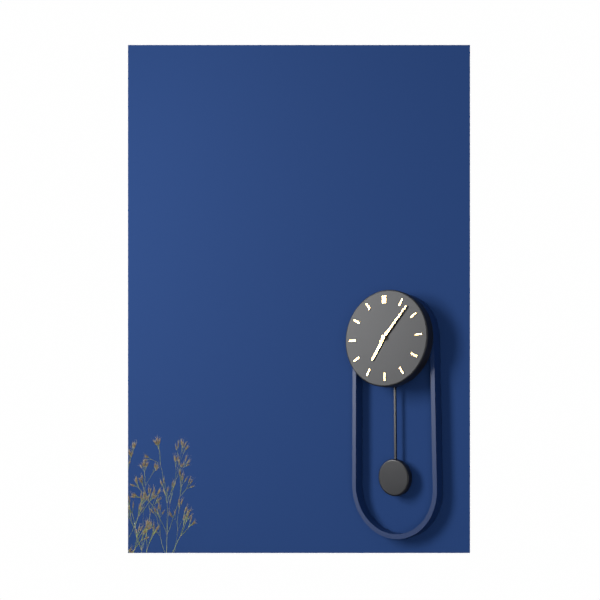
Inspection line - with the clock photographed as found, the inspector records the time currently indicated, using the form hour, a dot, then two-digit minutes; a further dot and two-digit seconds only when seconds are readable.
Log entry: 7.07
